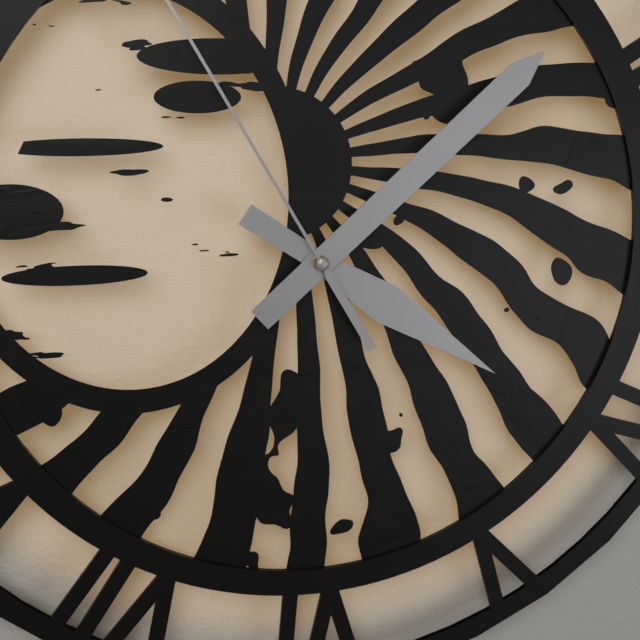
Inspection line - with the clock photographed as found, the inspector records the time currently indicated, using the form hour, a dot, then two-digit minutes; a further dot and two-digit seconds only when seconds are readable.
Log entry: 4.08
